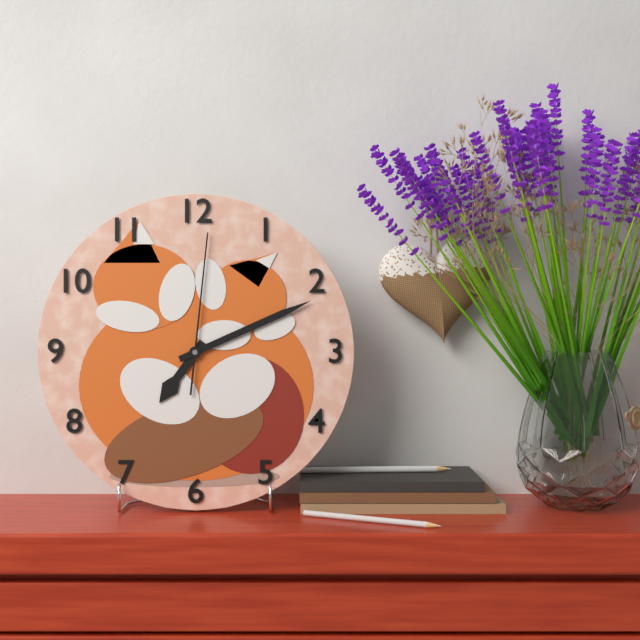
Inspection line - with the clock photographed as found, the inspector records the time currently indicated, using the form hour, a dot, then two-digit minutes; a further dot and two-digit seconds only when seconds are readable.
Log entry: 7.11.01
